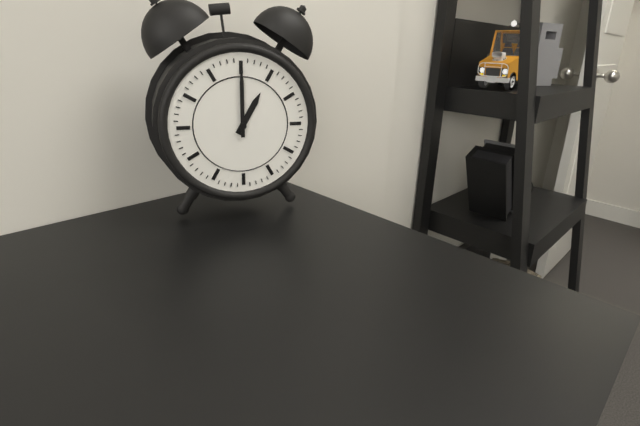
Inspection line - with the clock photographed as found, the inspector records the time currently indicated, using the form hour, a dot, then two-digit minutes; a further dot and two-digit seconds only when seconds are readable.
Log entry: 1.00
